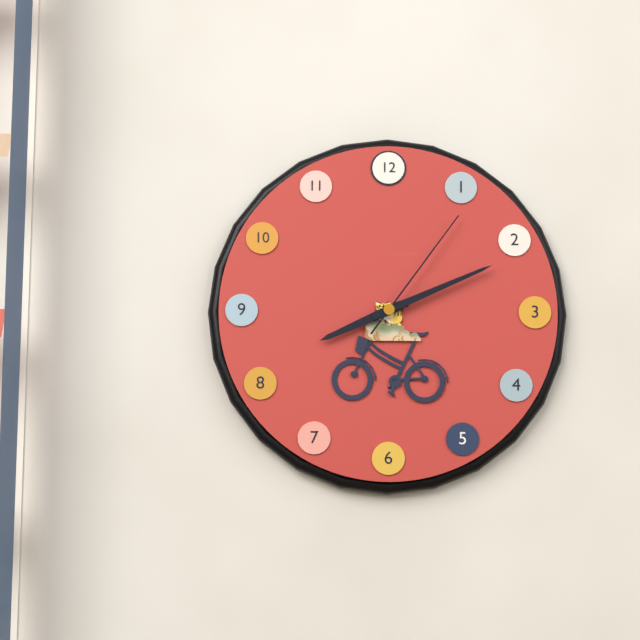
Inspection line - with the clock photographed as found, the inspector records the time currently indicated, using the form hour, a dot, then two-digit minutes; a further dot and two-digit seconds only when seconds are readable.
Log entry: 8.11.06
